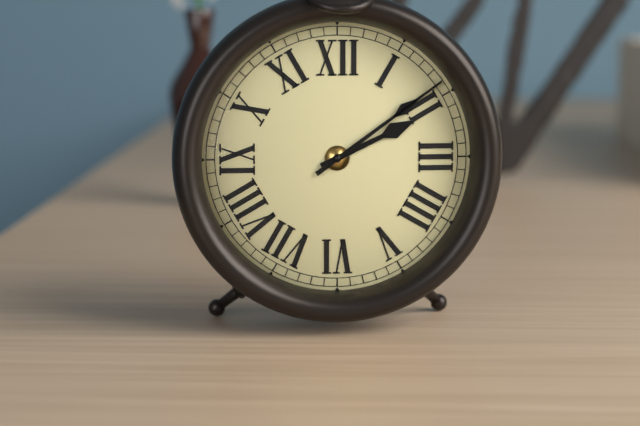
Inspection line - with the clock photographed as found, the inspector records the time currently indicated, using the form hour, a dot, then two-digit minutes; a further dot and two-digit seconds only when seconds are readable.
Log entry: 2.09
